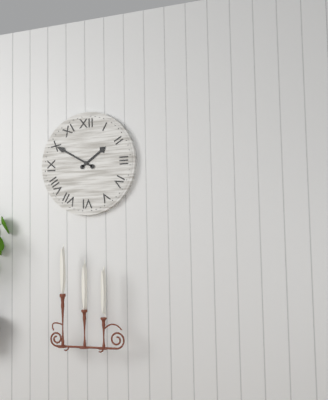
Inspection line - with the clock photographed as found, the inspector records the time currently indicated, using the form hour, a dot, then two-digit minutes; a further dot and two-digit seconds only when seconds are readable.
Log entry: 1.50
